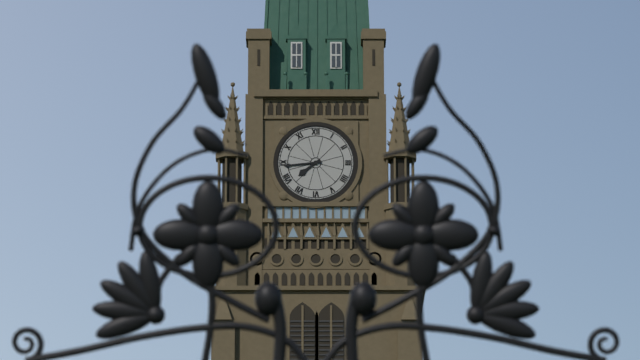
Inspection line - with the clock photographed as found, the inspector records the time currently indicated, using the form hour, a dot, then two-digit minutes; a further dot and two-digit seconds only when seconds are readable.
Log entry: 7.44
